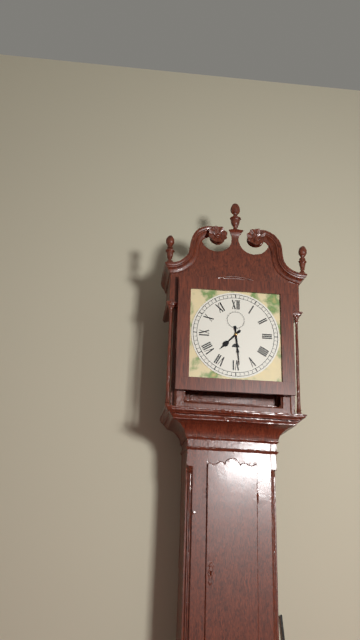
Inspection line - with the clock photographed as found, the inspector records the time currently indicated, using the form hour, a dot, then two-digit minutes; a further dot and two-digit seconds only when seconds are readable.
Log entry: 7.29
